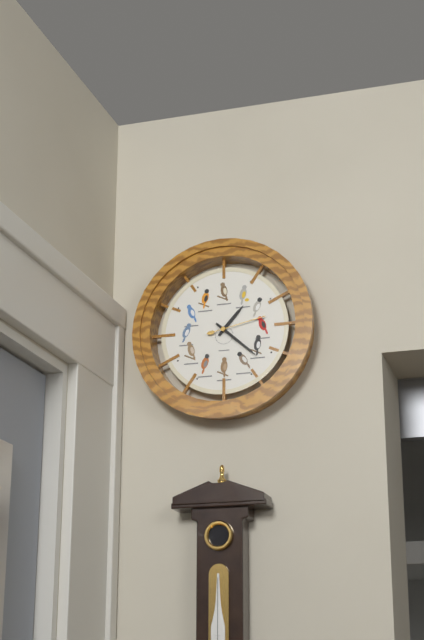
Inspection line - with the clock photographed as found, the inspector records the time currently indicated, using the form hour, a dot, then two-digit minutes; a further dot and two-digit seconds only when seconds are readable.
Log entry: 1.22.13
